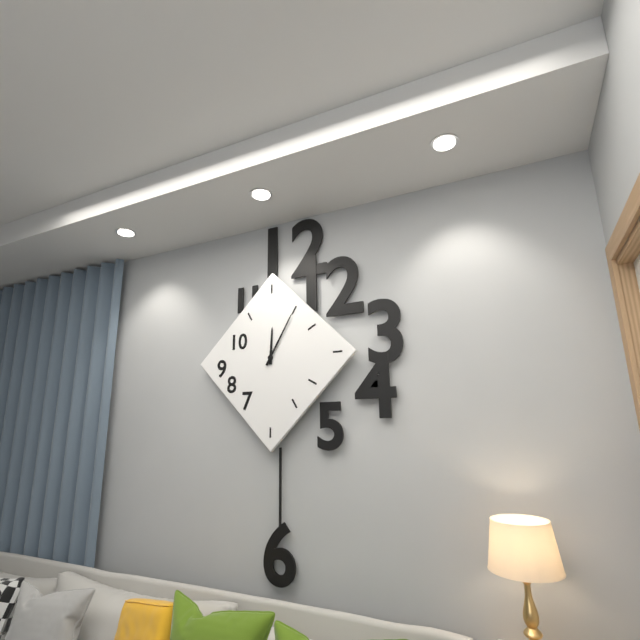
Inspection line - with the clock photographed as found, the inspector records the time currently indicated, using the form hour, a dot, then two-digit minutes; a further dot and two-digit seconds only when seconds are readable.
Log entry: 12.05
